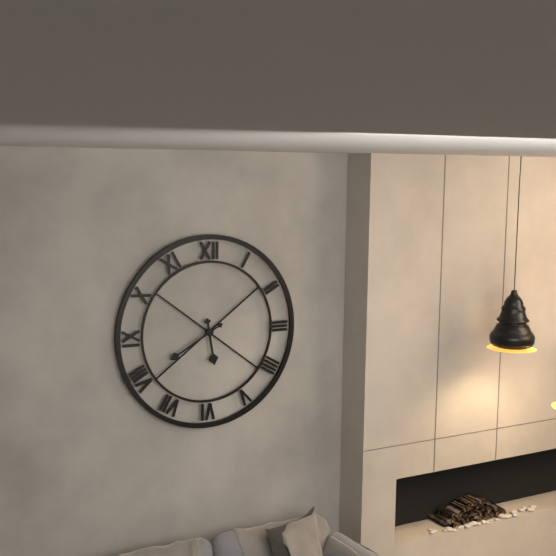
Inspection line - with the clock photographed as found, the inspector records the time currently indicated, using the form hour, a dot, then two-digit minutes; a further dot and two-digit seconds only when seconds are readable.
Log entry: 5.40
